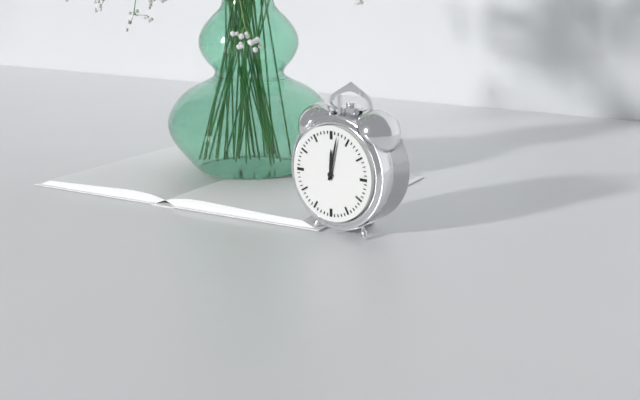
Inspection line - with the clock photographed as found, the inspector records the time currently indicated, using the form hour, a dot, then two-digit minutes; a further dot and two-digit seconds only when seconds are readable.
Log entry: 12.02
